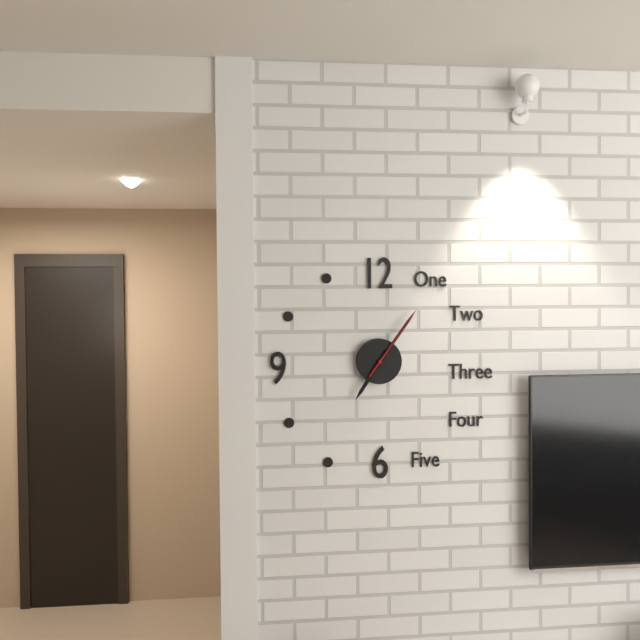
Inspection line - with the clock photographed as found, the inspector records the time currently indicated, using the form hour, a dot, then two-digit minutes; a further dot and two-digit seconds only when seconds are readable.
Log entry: 7.06.06
